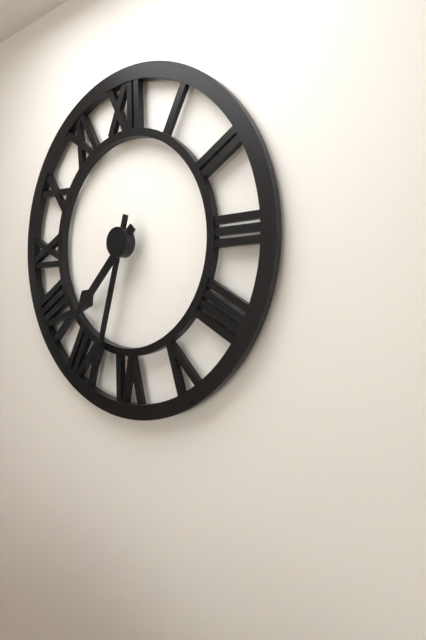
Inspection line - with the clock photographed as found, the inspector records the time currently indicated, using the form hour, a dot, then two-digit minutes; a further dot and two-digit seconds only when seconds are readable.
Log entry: 7.33
